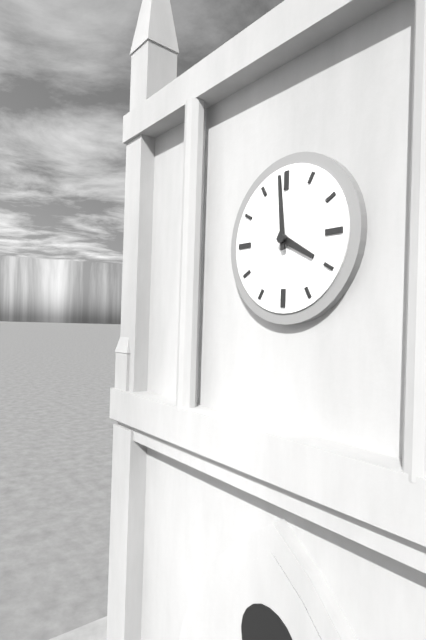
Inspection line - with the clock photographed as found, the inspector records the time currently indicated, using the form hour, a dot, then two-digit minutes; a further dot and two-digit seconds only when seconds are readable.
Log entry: 3.59
